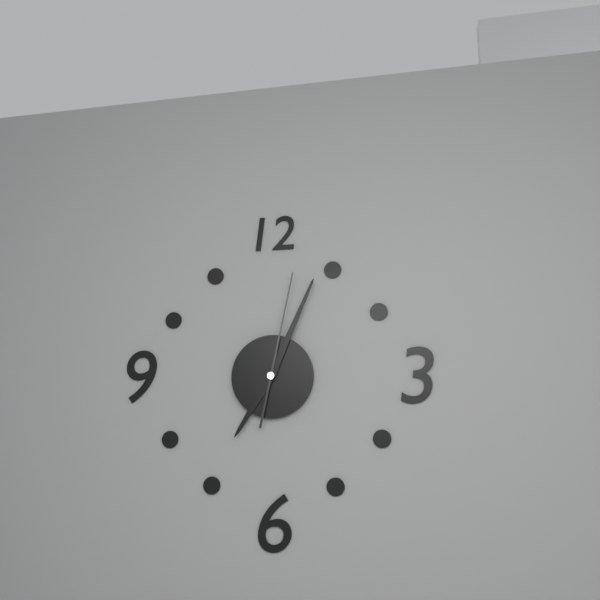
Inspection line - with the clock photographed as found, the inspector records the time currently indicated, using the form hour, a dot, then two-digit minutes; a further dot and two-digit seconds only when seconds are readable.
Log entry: 7.04.02
